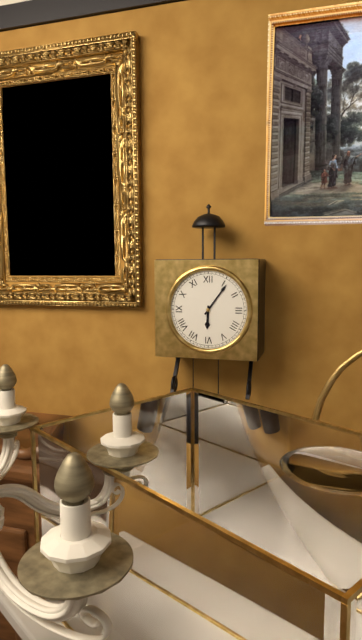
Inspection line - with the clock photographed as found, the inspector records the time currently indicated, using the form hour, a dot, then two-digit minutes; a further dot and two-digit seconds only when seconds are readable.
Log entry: 6.06
